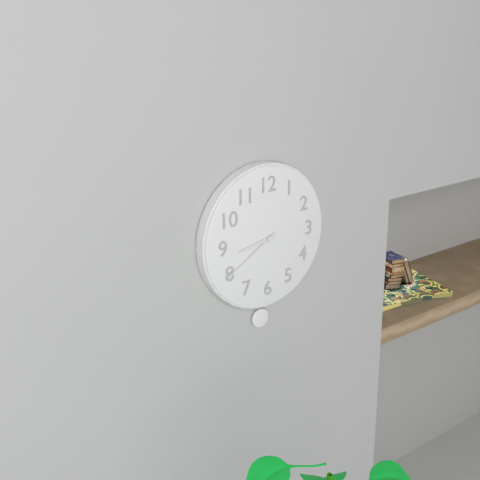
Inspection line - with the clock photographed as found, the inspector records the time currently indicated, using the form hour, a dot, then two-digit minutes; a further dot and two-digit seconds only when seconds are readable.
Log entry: 8.40
